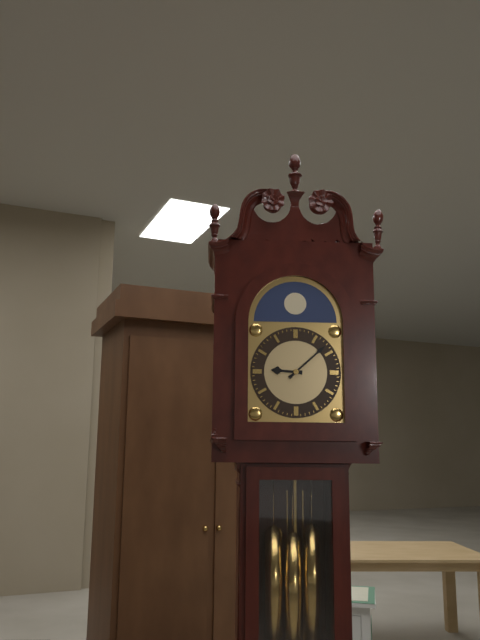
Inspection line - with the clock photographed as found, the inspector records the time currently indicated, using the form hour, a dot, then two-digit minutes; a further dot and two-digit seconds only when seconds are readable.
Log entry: 9.08
